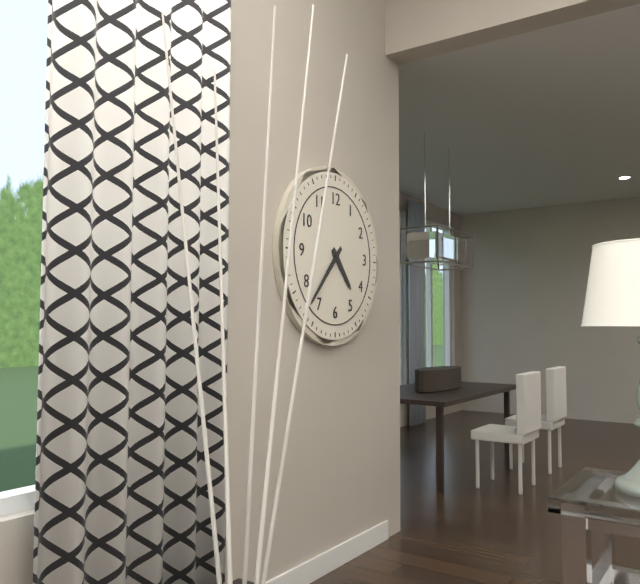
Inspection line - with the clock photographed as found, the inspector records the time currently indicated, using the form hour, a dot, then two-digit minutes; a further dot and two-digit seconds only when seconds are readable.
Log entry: 4.37
